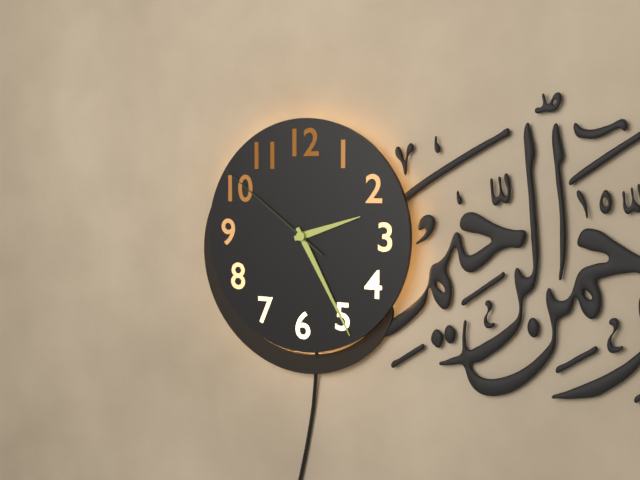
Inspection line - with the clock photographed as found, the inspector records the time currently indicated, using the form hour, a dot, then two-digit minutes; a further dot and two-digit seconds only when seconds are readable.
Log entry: 2.25.51
